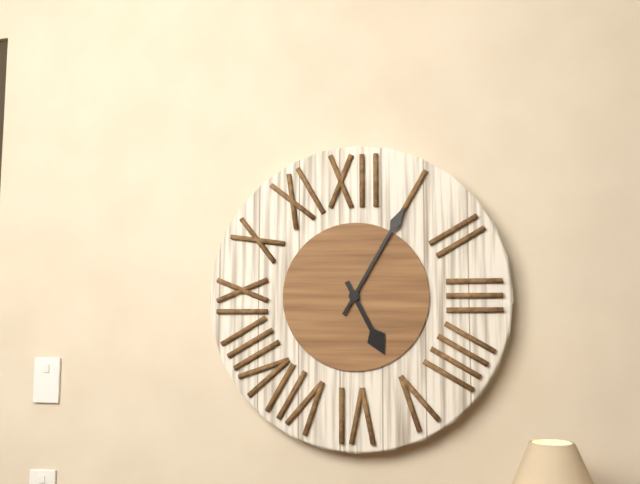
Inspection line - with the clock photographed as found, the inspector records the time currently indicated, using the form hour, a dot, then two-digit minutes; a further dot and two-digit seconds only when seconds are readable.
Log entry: 5.05
